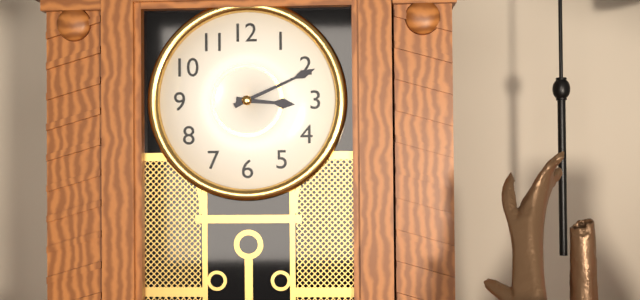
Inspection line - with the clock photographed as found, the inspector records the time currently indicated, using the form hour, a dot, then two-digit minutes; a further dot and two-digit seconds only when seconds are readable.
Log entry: 3.11
